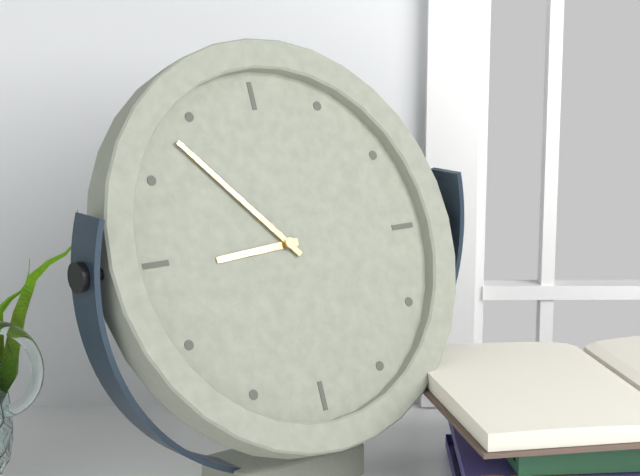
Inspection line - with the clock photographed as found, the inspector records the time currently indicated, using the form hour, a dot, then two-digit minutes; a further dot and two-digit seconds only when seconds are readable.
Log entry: 8.53
